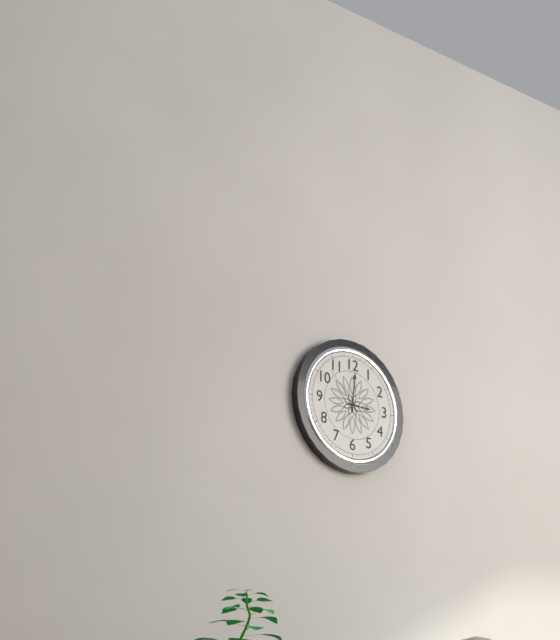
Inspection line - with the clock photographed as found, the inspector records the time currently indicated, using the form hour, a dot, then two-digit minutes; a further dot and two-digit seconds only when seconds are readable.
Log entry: 3.01
